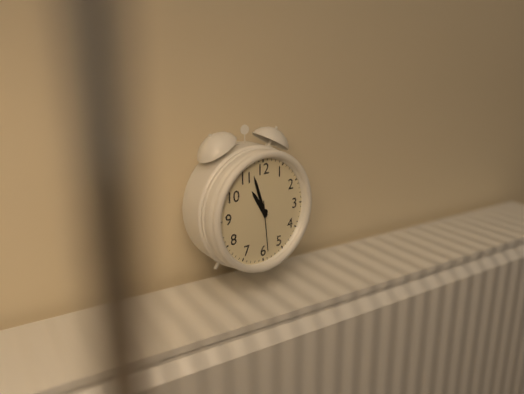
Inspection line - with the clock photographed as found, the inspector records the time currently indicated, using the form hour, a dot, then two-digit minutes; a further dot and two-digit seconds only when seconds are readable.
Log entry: 10.57
